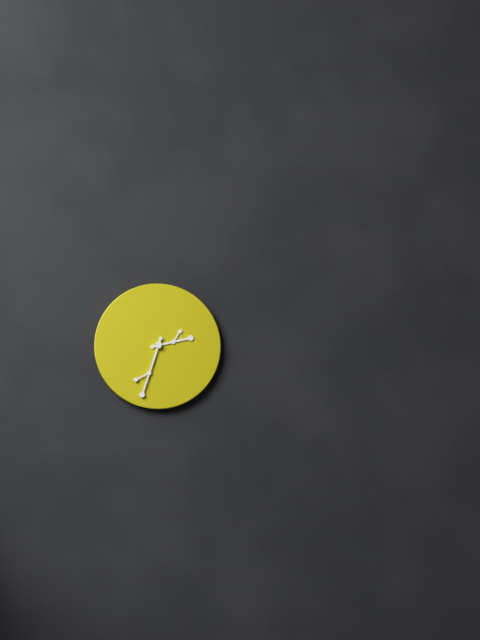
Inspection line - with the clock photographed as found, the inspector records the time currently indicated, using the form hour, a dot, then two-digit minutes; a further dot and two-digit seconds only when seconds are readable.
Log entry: 2.33
